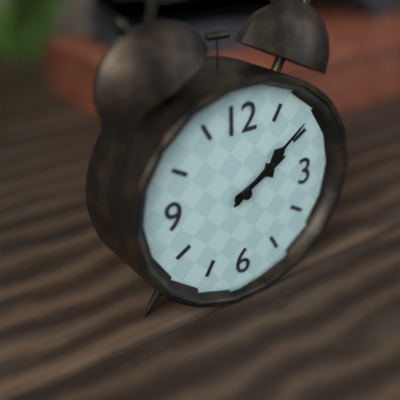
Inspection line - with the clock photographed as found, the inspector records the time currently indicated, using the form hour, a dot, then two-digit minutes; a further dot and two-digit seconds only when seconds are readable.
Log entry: 2.09
